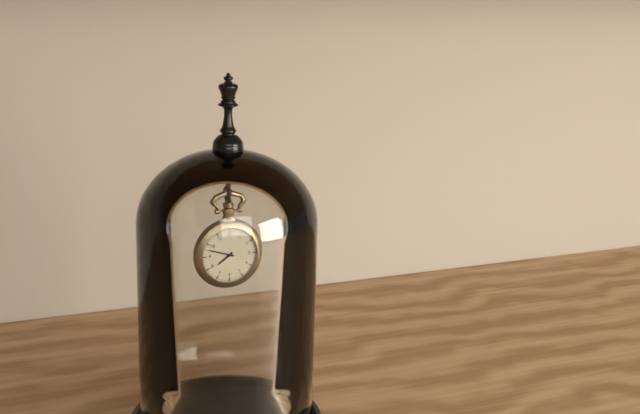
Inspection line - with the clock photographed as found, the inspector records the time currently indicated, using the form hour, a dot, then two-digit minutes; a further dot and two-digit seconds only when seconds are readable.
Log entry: 7.48
